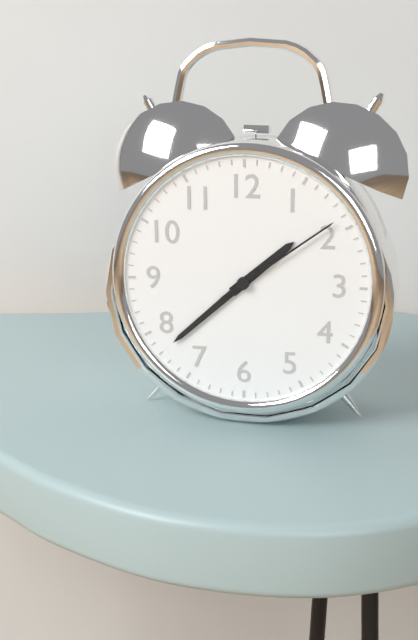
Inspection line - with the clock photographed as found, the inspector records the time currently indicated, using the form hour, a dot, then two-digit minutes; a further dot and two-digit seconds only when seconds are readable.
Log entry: 1.38.09
